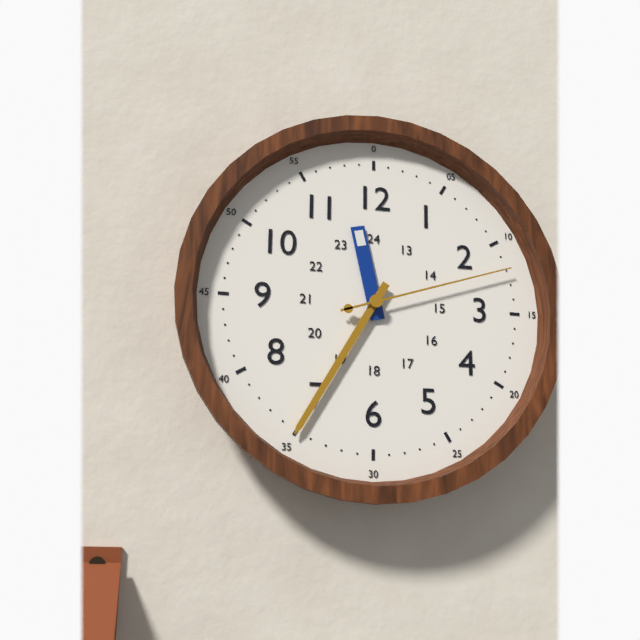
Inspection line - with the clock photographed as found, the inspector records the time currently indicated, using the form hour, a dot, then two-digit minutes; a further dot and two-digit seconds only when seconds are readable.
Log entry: 11.35.12
